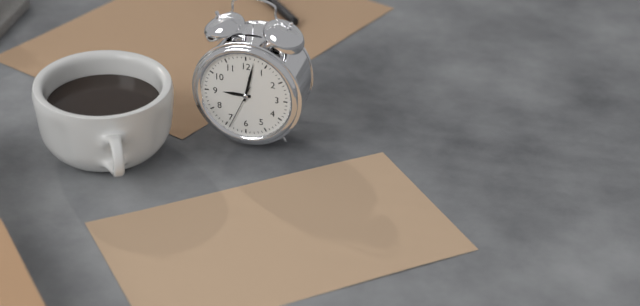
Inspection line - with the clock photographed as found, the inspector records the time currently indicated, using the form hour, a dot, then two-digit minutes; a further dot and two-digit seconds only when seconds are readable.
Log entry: 9.02
